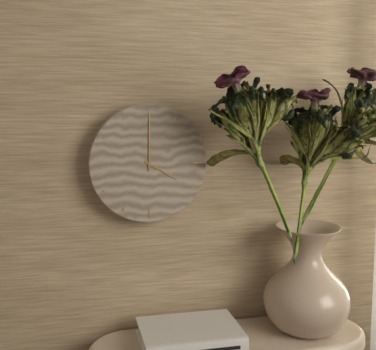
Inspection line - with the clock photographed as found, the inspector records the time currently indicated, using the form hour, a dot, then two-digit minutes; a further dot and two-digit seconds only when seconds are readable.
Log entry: 4.00
